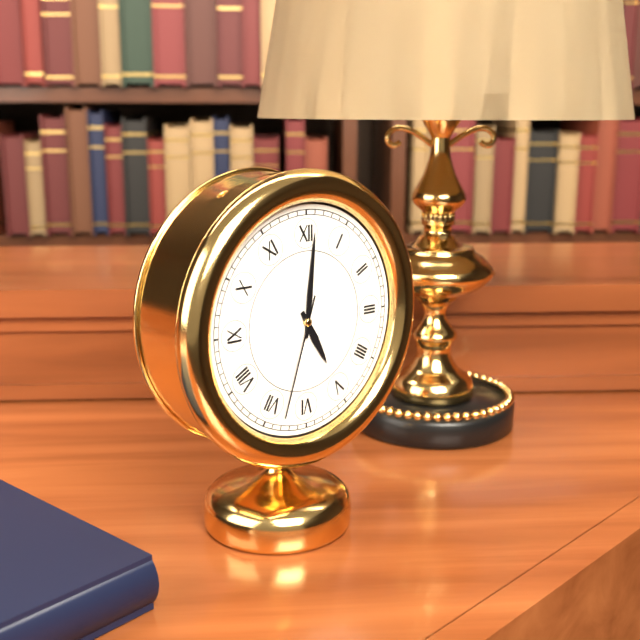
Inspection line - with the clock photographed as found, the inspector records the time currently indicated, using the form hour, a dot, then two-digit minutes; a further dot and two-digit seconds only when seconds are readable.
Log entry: 5.01.33
